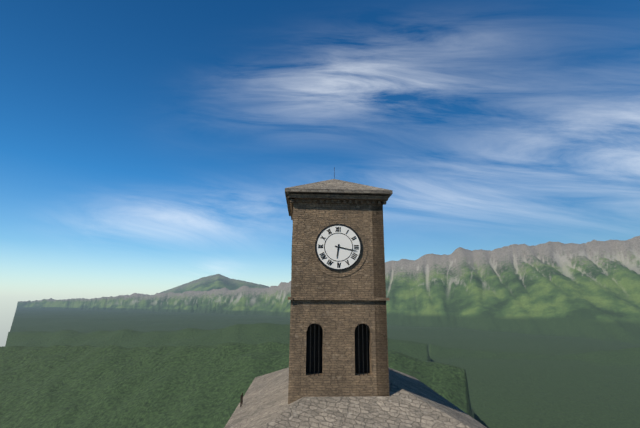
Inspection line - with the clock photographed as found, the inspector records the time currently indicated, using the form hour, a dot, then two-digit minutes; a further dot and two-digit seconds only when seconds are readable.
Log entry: 6.17
